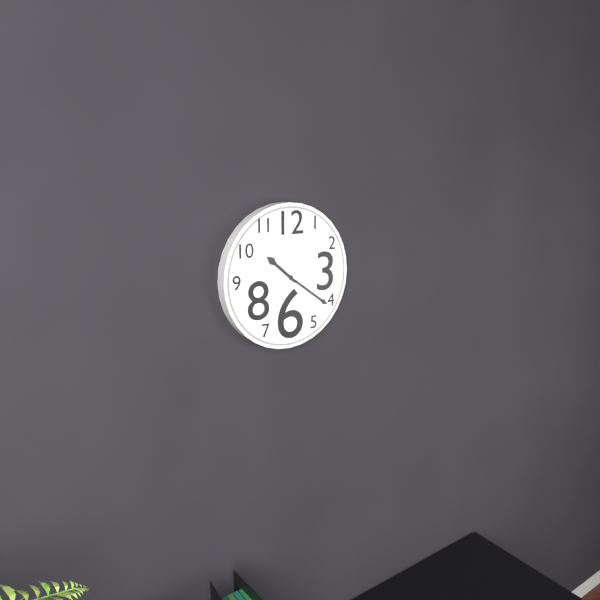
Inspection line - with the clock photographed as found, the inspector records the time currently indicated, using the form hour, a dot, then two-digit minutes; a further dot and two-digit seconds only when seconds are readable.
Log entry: 10.21
